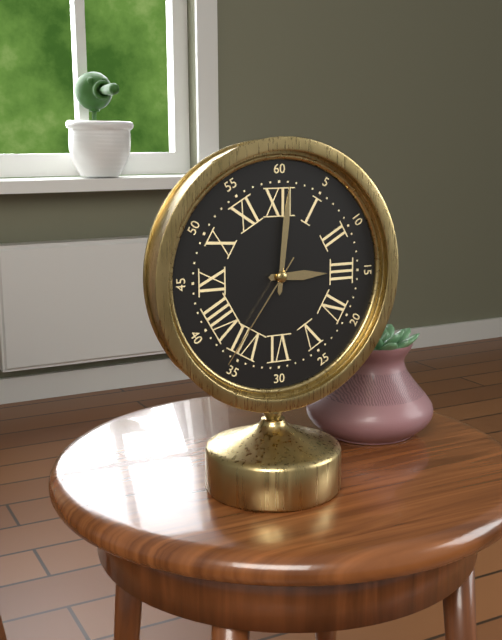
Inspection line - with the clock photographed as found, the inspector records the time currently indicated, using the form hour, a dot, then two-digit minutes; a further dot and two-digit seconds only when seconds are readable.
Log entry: 3.01.36
